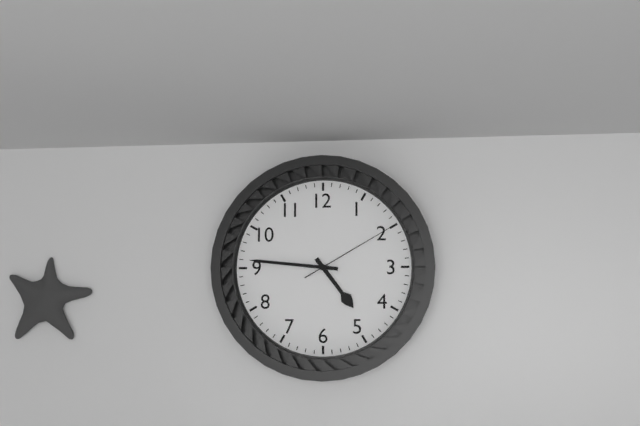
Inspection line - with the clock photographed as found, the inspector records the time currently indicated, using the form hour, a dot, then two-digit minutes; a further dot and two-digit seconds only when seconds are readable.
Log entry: 4.46.10
